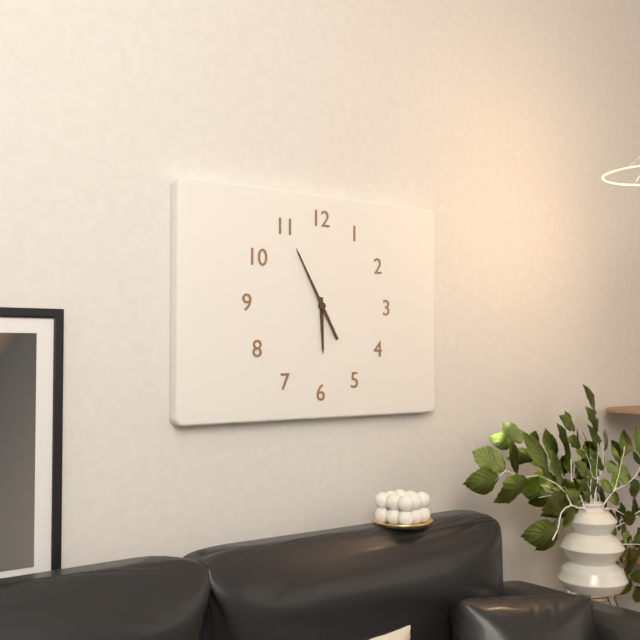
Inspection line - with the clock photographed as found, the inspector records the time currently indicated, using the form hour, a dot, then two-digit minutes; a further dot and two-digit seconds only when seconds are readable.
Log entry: 5.55
